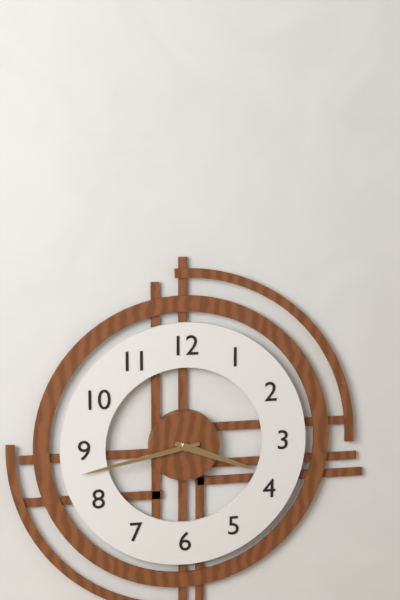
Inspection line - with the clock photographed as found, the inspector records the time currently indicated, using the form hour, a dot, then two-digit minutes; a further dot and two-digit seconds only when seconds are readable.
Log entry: 3.43
